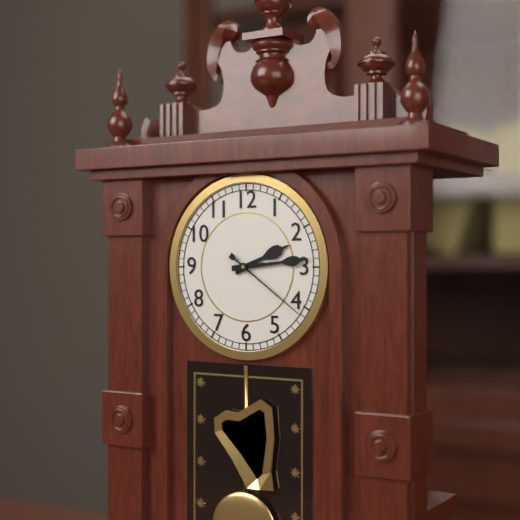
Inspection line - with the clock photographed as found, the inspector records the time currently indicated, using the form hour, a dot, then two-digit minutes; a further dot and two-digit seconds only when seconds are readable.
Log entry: 2.14.21
